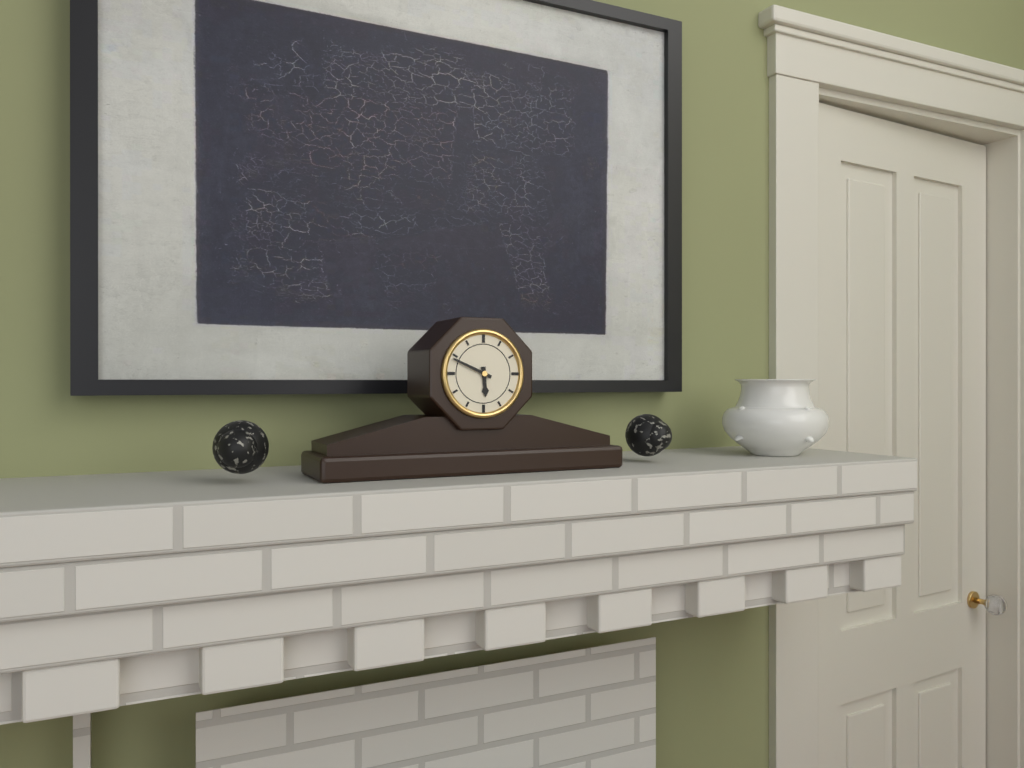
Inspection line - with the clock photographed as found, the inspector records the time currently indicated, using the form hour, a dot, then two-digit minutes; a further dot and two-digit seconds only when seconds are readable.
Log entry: 5.49
